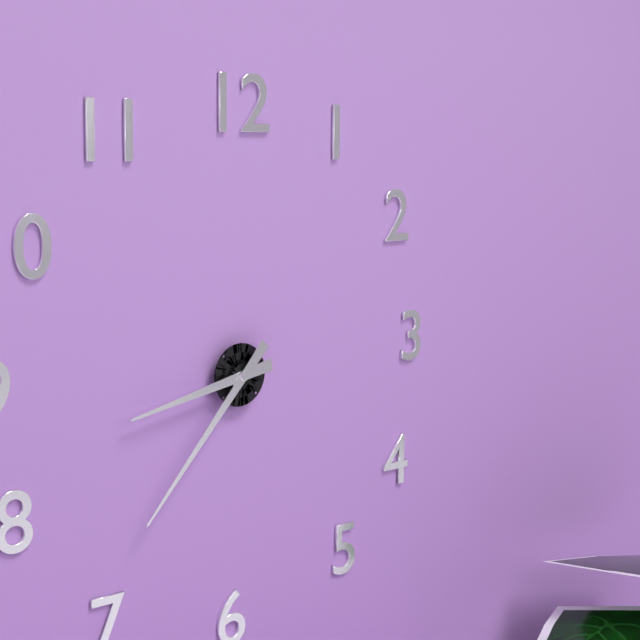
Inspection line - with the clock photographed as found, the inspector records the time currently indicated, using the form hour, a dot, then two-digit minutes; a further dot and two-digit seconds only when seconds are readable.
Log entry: 8.37
